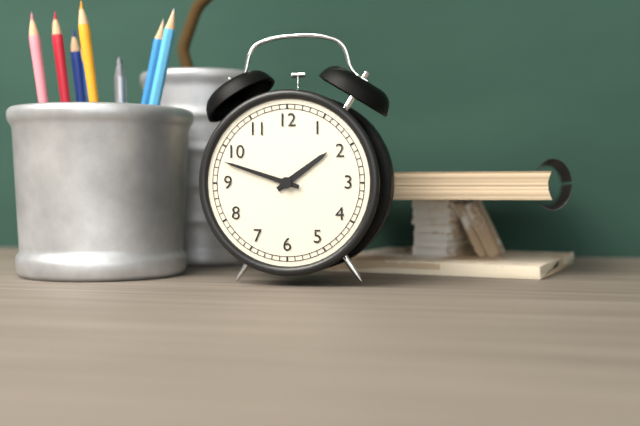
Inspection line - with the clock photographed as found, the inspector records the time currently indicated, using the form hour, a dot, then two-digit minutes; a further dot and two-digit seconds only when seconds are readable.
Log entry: 1.48
